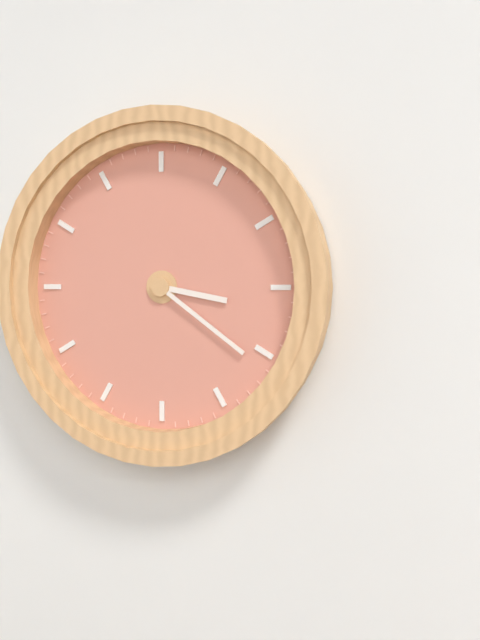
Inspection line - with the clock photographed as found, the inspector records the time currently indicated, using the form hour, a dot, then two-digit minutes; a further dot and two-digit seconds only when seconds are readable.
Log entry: 3.21
